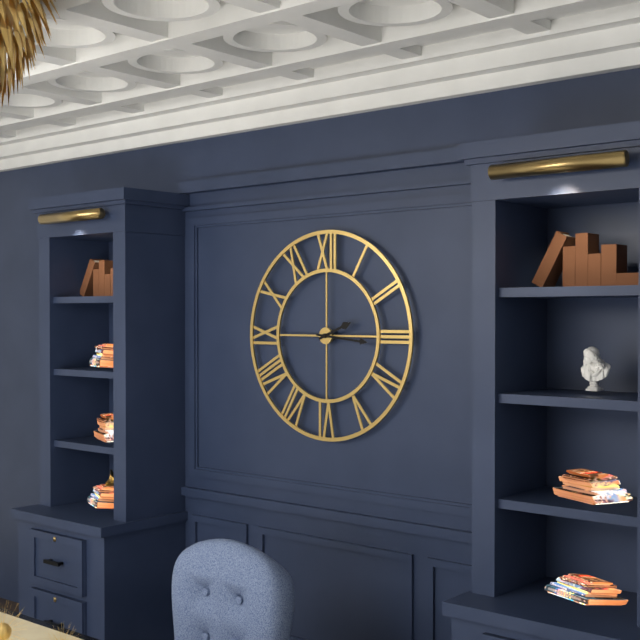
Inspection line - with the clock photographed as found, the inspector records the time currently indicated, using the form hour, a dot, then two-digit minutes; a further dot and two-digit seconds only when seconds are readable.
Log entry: 2.16
